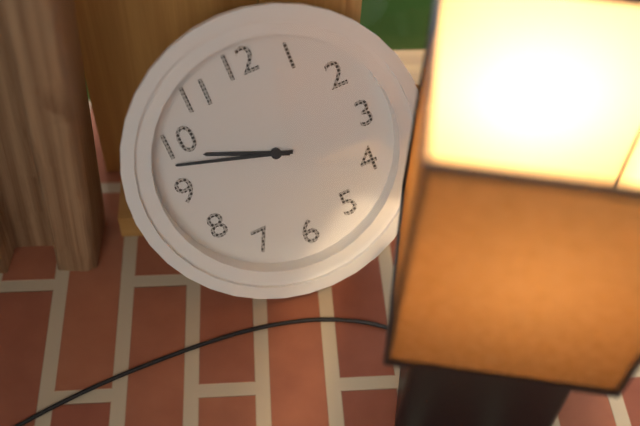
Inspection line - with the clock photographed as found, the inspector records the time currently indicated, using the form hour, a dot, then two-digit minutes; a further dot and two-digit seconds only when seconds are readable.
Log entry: 9.48
